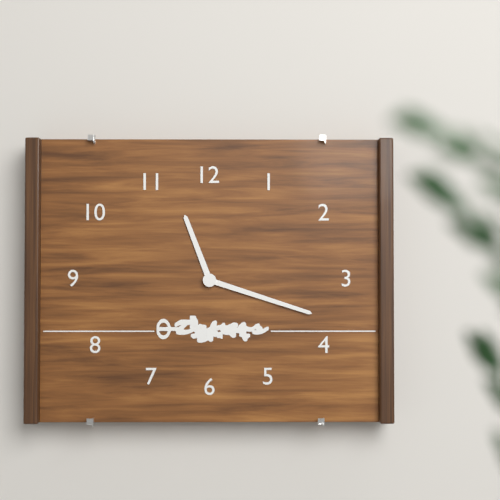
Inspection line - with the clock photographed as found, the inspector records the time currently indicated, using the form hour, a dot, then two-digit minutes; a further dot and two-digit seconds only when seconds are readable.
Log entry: 11.18
